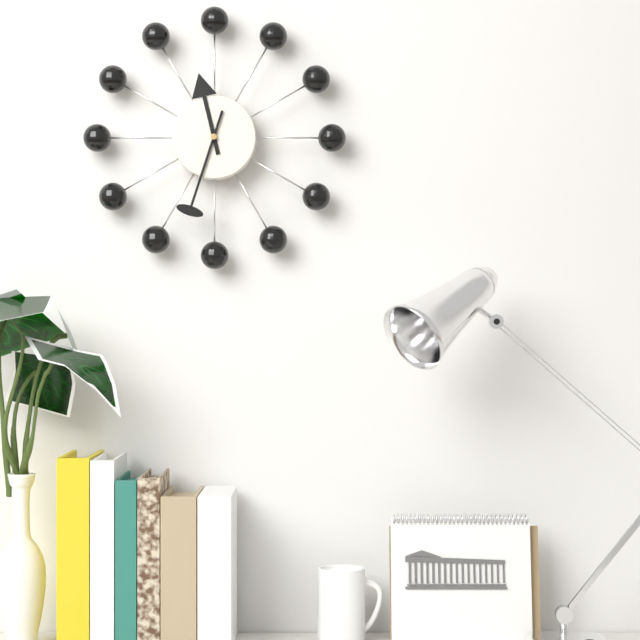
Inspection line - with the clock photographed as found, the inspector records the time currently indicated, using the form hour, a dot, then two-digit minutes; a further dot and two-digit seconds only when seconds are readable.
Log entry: 11.33
